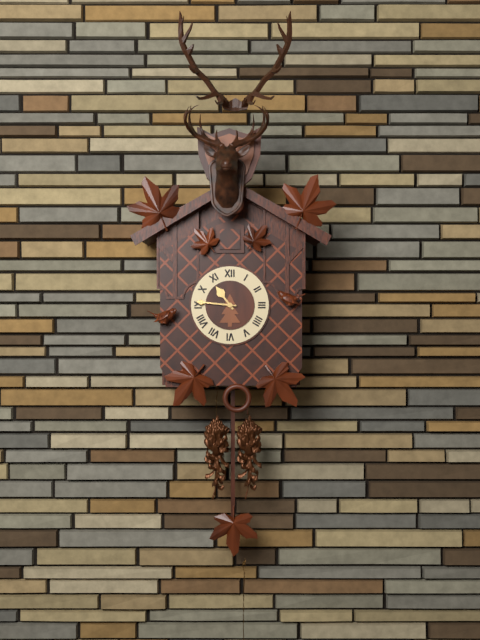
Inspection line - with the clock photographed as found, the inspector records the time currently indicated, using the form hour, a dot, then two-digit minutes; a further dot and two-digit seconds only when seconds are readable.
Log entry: 10.46
